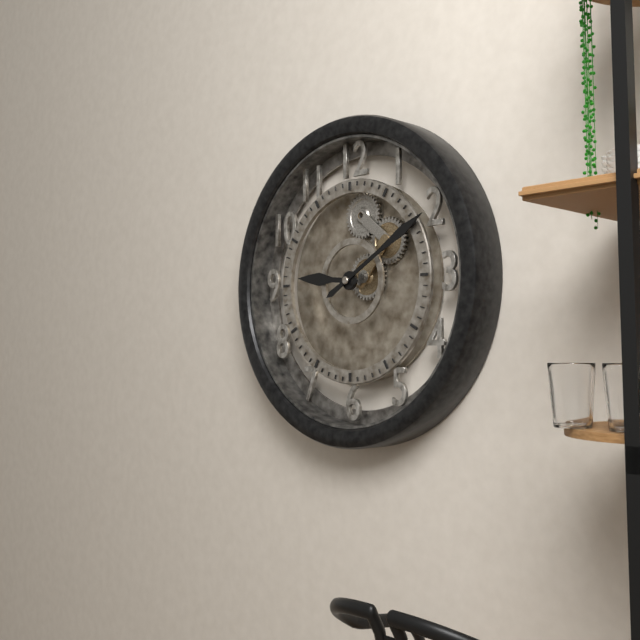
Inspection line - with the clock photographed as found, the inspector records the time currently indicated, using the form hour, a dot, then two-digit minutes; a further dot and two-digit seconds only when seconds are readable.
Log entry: 9.10
